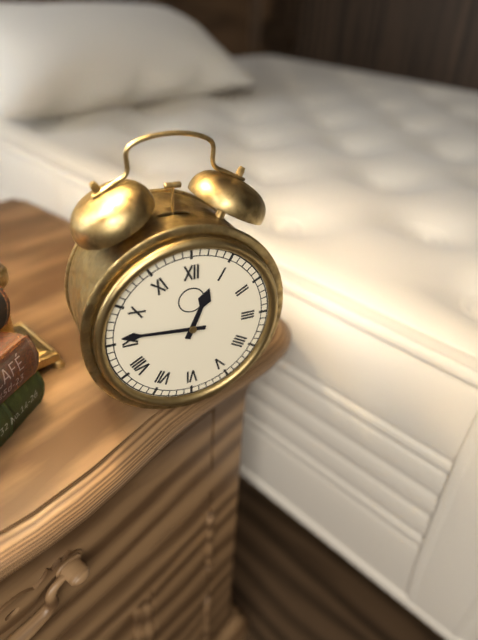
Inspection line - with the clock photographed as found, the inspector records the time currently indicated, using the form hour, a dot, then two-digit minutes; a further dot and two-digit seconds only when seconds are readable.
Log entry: 12.46
